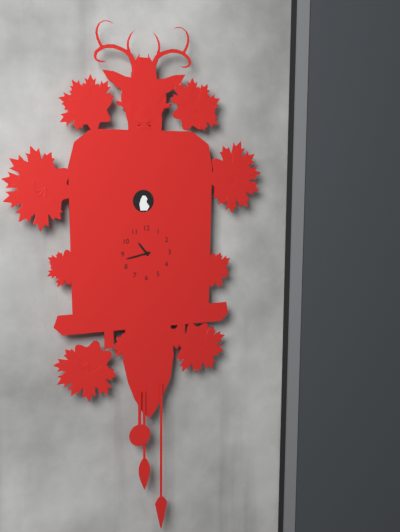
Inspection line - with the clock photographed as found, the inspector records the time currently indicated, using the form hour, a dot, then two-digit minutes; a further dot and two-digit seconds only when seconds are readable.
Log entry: 10.43
